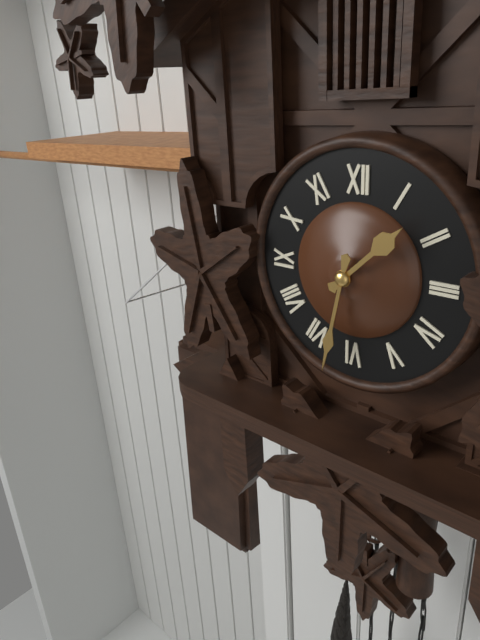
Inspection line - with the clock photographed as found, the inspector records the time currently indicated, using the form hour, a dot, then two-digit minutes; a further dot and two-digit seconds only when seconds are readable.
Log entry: 1.32
